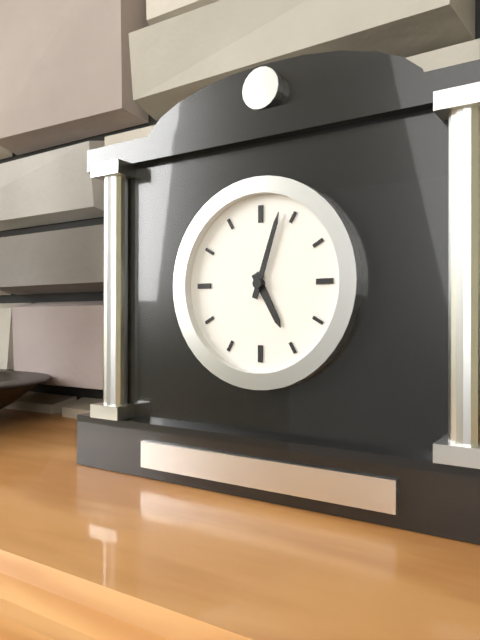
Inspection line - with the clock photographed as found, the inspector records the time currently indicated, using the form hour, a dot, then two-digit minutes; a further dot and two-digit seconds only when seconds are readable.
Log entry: 5.03
